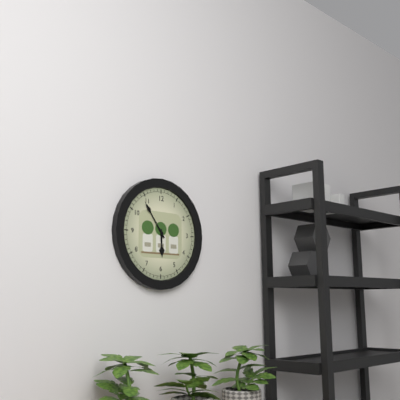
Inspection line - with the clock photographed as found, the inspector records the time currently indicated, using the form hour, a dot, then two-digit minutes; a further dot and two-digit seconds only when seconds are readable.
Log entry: 5.54
